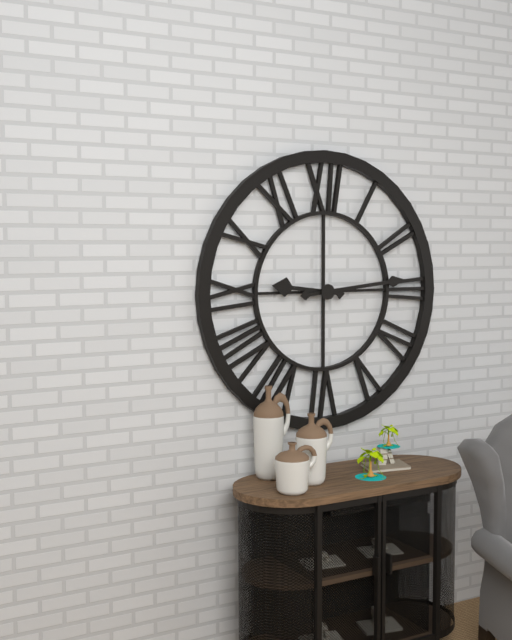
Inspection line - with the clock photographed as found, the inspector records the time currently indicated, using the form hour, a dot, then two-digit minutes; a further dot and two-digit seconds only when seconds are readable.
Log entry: 9.14
